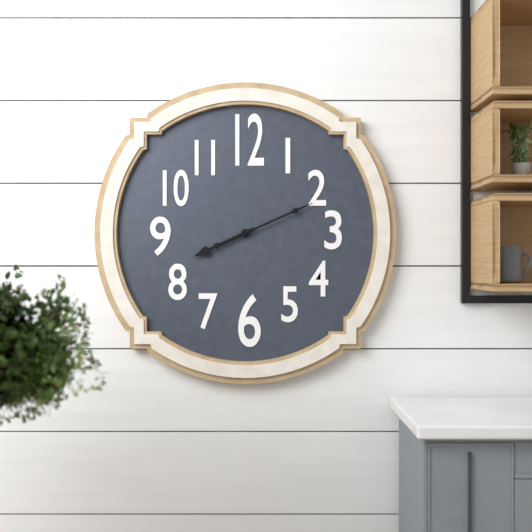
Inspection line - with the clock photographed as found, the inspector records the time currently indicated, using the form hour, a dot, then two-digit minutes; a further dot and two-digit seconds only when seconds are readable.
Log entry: 8.11
